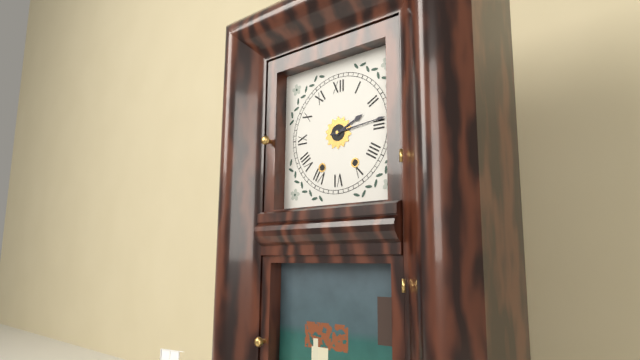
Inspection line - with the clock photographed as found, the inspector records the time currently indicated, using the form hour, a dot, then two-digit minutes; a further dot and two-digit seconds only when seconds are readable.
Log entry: 2.14
